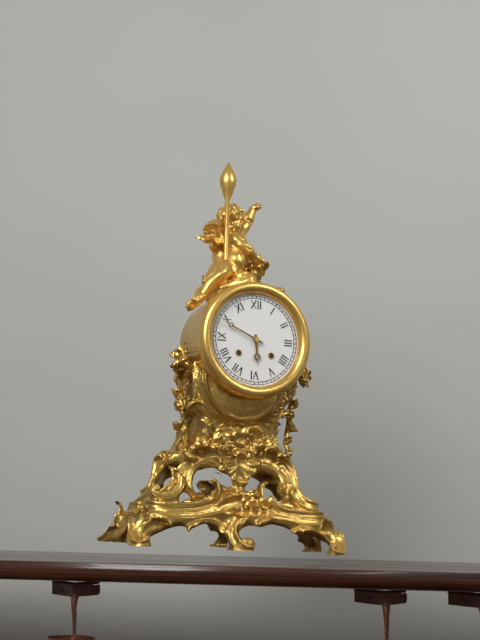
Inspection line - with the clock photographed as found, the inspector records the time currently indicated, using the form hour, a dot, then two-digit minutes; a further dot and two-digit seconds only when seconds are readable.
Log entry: 5.49
